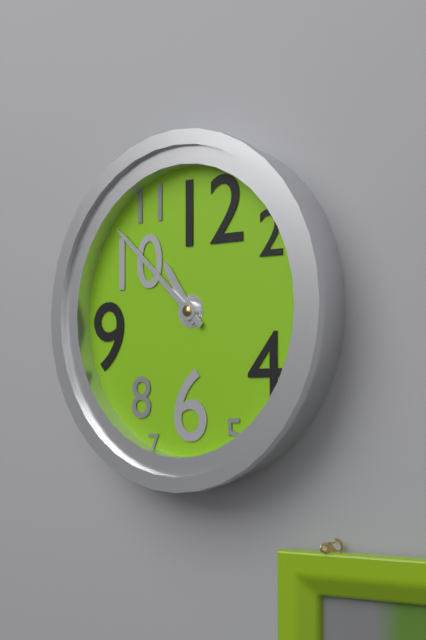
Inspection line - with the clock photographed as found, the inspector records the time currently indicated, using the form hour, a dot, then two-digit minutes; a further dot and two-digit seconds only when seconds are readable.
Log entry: 10.52
